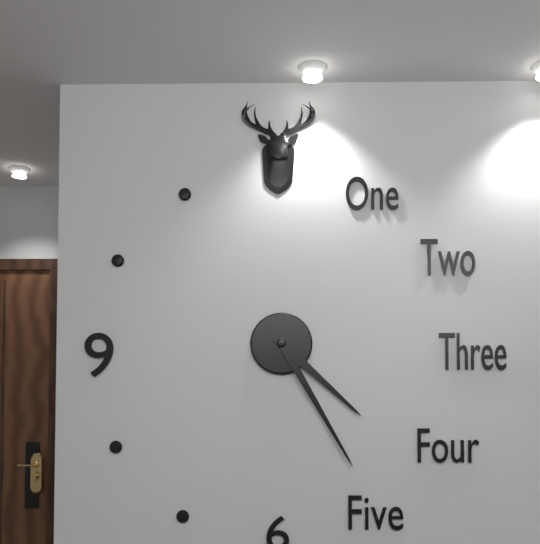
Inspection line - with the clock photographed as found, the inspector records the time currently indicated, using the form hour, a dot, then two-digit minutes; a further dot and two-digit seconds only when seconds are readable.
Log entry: 4.25
